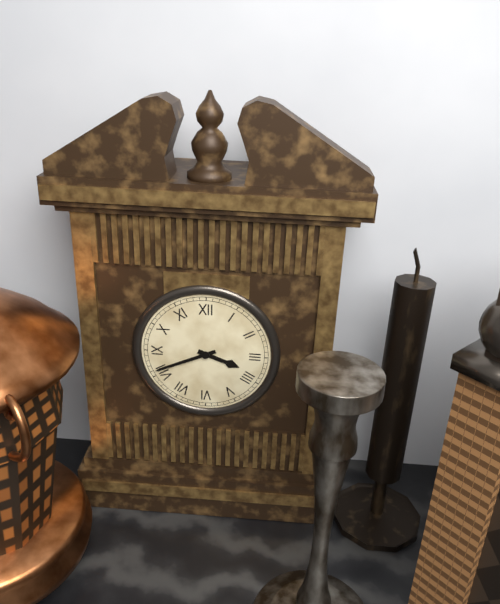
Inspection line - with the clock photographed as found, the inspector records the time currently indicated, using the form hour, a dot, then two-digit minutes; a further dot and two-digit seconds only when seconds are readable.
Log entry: 3.41
